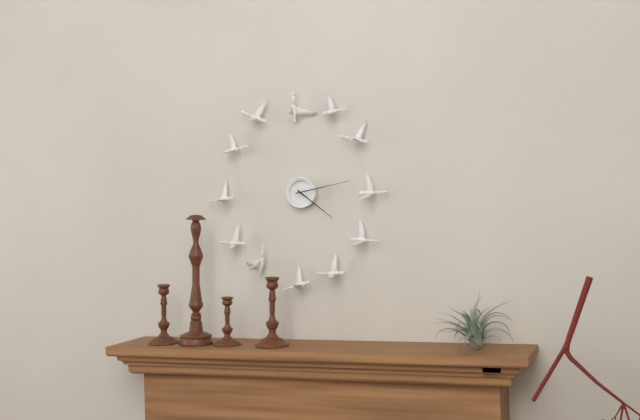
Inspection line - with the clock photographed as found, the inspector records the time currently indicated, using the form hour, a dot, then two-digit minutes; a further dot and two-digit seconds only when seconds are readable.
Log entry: 4.13
